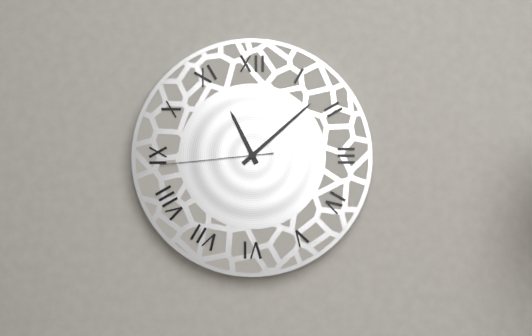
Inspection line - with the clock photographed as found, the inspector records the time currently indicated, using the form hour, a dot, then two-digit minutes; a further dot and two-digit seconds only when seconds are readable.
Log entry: 11.08.44
